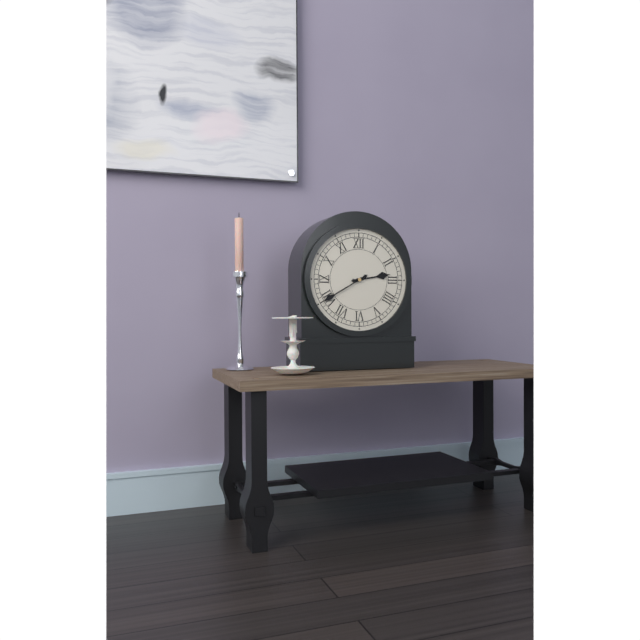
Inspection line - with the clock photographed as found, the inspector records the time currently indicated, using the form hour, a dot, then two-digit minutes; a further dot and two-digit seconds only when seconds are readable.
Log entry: 2.40
